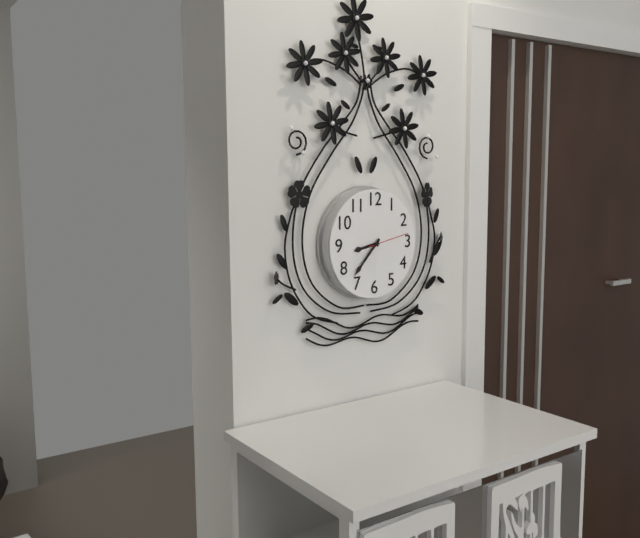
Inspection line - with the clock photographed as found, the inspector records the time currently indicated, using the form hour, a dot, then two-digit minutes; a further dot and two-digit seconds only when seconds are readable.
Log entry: 8.37
